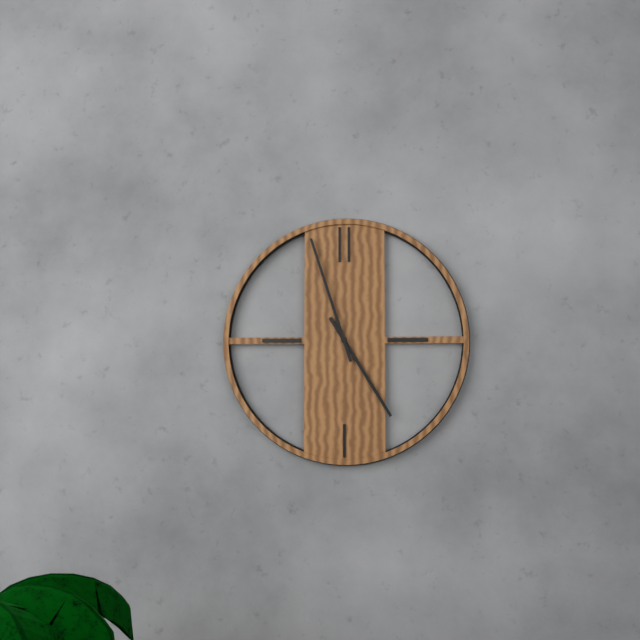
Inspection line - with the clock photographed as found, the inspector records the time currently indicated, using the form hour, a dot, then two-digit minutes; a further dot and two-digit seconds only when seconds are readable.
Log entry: 4.57
